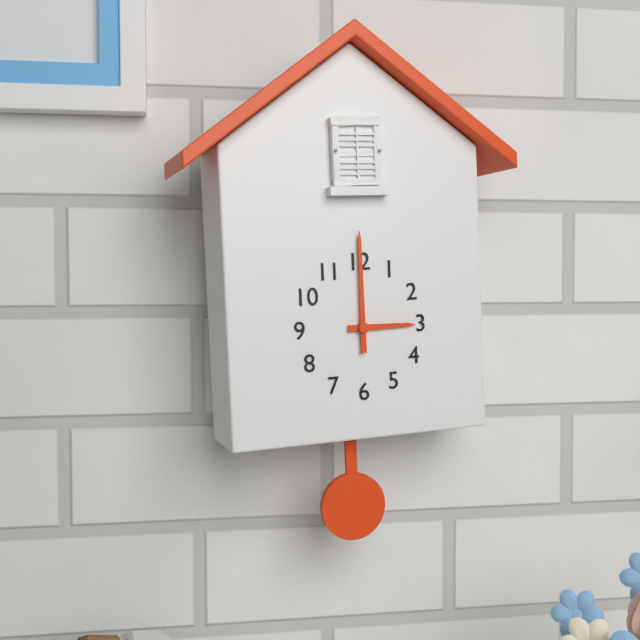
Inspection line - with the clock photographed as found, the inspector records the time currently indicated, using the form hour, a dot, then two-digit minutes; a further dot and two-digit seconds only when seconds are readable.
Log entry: 3.00
